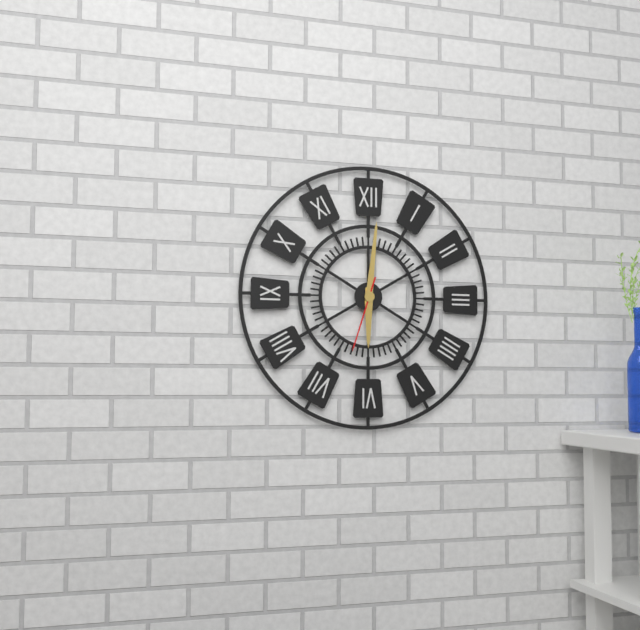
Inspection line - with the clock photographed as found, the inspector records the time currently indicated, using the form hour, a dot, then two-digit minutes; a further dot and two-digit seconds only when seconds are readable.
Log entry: 6.01.33
